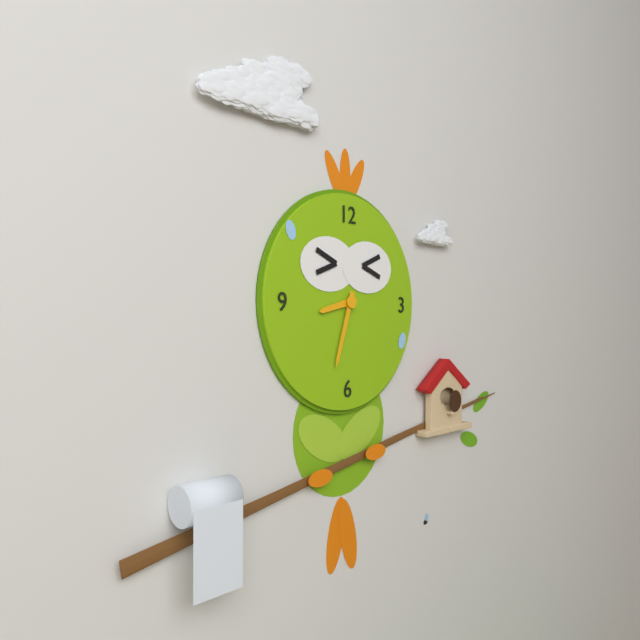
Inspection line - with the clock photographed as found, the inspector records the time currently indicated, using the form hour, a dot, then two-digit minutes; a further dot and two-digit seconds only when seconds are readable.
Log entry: 8.33
